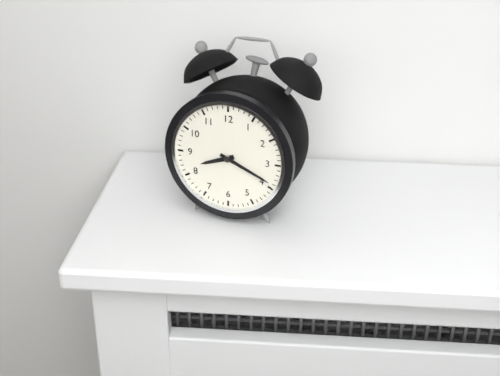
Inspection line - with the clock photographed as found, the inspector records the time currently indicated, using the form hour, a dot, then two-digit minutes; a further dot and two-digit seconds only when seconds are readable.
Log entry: 8.19
